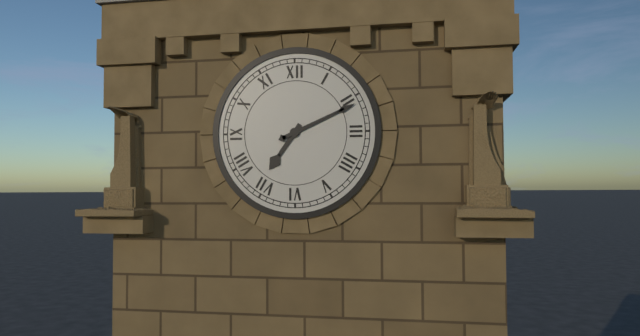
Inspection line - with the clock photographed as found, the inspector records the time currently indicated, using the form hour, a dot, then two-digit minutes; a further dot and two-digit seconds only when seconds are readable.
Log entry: 7.11
